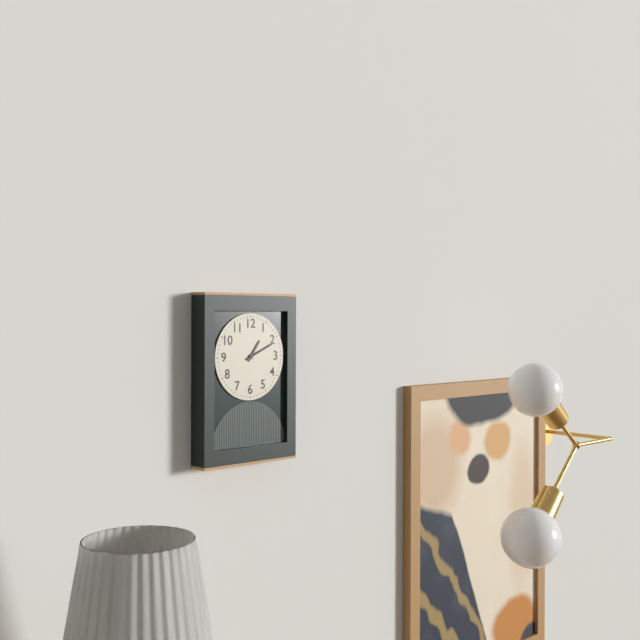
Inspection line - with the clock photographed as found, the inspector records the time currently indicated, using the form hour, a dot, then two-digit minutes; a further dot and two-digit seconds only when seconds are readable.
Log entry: 1.11
